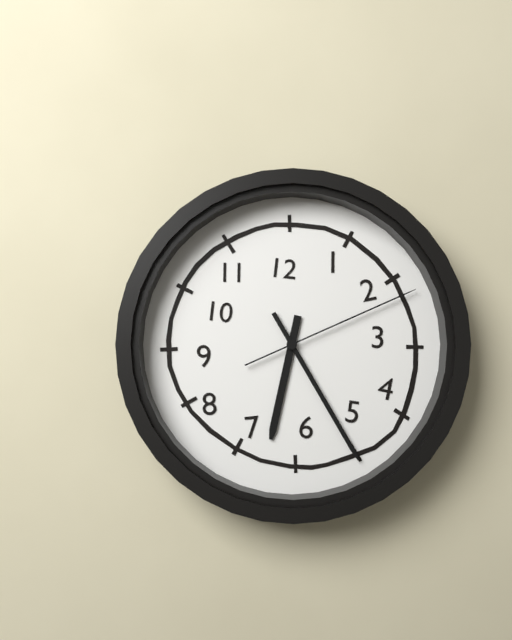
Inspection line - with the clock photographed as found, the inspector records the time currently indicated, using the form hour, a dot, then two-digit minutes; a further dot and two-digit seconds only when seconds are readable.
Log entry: 6.25.11
